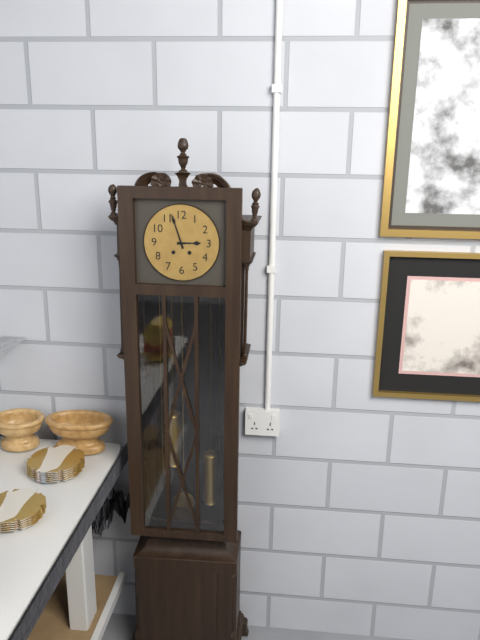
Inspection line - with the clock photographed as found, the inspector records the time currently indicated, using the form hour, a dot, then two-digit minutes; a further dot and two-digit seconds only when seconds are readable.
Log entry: 2.57
